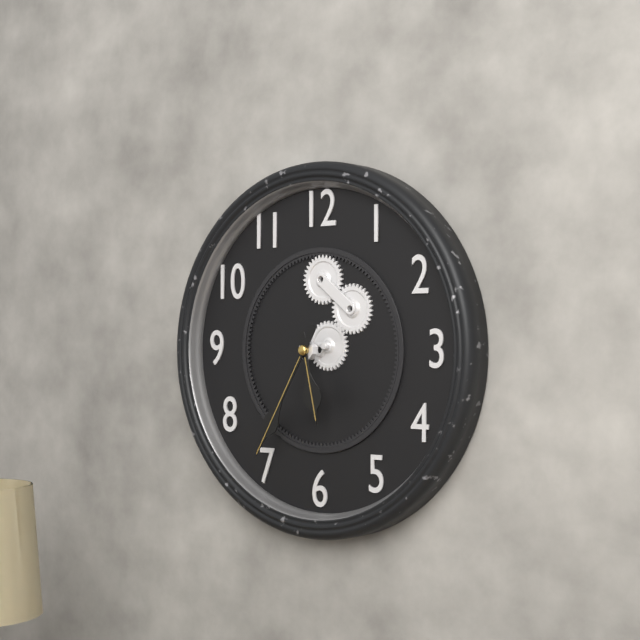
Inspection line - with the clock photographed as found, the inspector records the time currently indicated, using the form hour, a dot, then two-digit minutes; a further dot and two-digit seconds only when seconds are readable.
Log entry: 5.35
